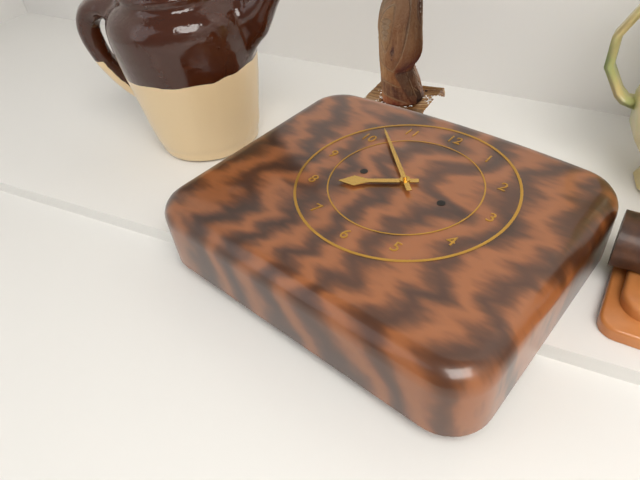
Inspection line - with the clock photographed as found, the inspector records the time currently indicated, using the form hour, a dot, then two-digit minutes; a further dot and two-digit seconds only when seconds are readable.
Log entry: 7.52
